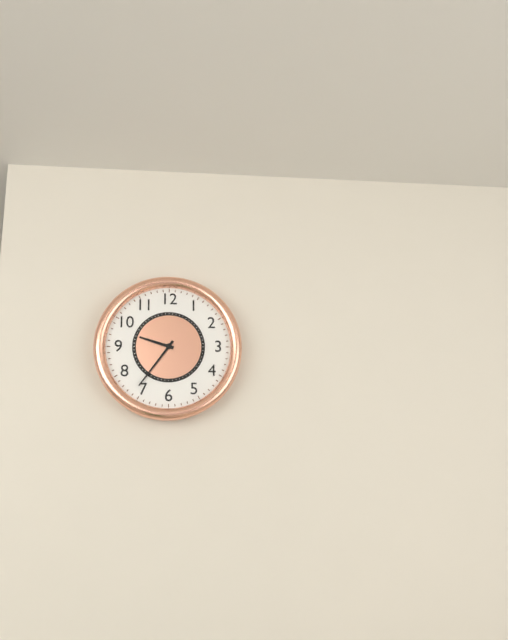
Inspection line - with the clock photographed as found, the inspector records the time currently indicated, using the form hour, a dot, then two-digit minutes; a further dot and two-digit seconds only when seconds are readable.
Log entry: 9.36
